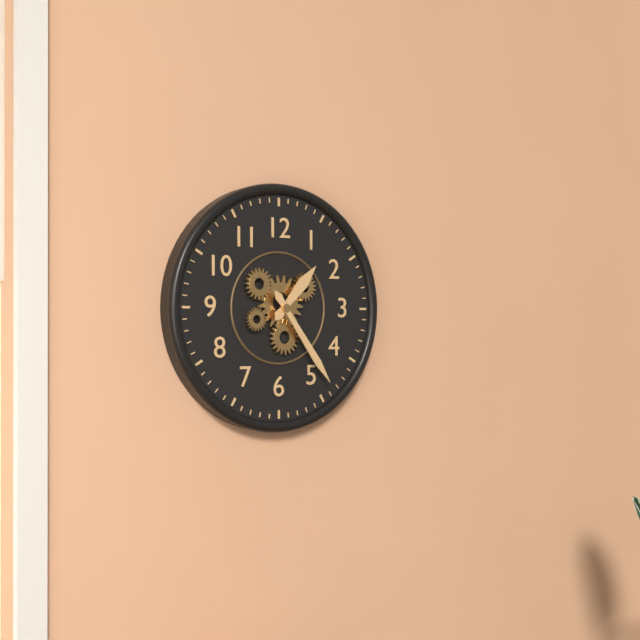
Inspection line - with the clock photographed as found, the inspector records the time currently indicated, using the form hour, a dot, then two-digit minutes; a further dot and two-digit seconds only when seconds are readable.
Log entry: 1.24
